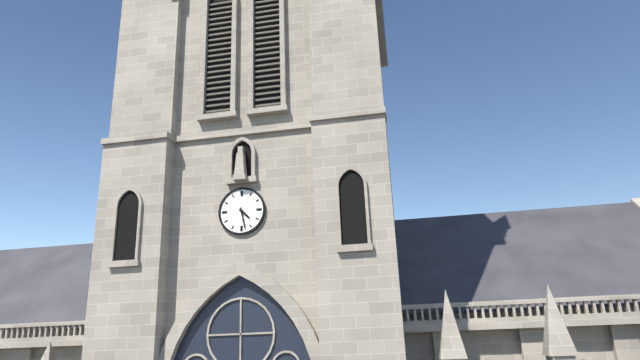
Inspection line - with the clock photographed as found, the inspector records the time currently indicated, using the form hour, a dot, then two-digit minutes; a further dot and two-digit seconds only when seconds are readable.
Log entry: 4.28
